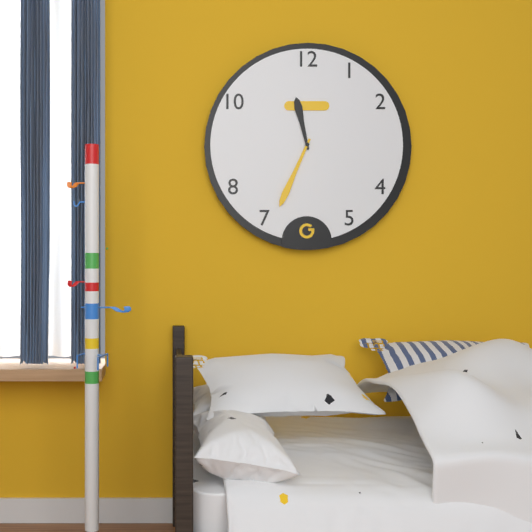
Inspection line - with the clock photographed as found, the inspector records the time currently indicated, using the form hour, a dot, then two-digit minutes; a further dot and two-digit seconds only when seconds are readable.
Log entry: 11.34
